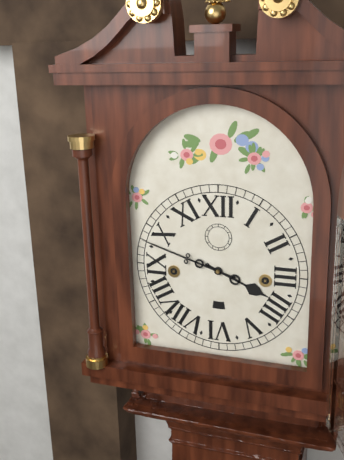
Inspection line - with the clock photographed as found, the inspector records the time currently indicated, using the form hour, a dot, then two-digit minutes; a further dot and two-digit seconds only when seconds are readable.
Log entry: 3.48
